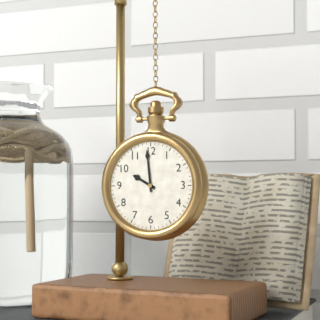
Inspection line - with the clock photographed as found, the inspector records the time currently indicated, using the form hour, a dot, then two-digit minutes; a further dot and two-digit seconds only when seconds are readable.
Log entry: 9.59
